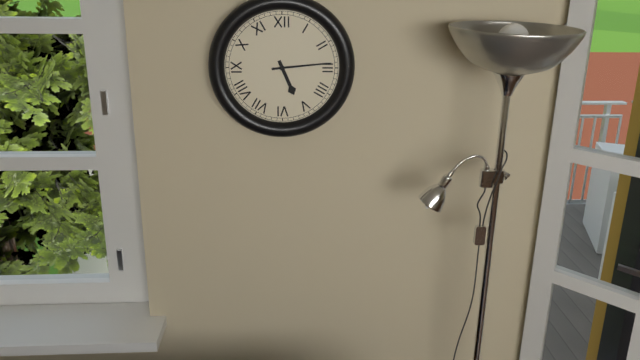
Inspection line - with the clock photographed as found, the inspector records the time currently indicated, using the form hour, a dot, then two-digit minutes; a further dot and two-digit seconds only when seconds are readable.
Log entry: 5.14
